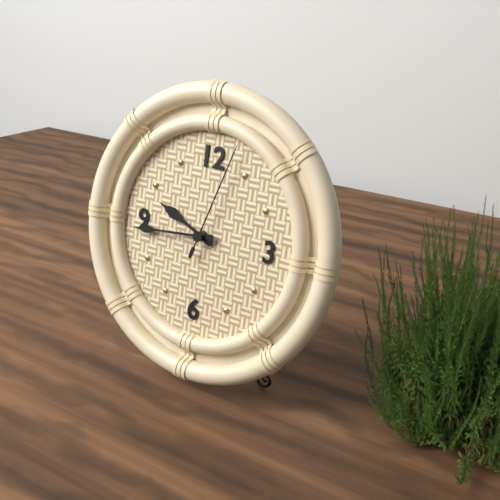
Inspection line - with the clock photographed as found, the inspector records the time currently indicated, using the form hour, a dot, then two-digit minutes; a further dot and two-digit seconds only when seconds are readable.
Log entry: 9.44.03
